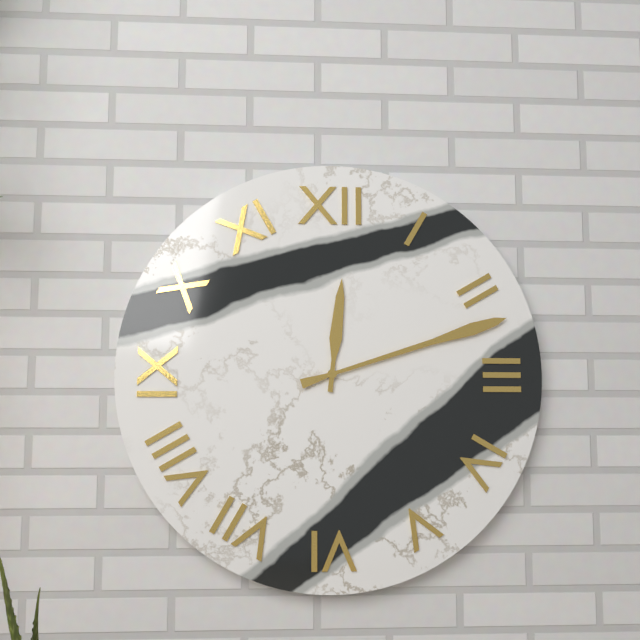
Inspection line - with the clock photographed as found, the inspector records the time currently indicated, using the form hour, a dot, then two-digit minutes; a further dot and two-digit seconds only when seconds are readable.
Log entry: 12.12.12
